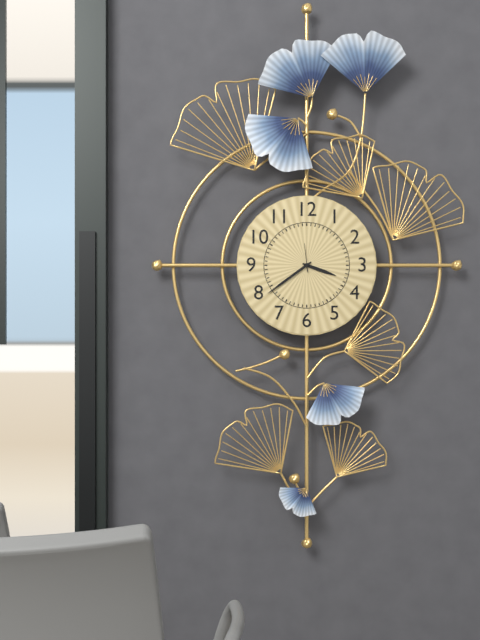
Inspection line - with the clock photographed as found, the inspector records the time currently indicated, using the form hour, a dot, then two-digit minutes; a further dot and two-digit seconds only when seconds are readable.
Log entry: 3.39
